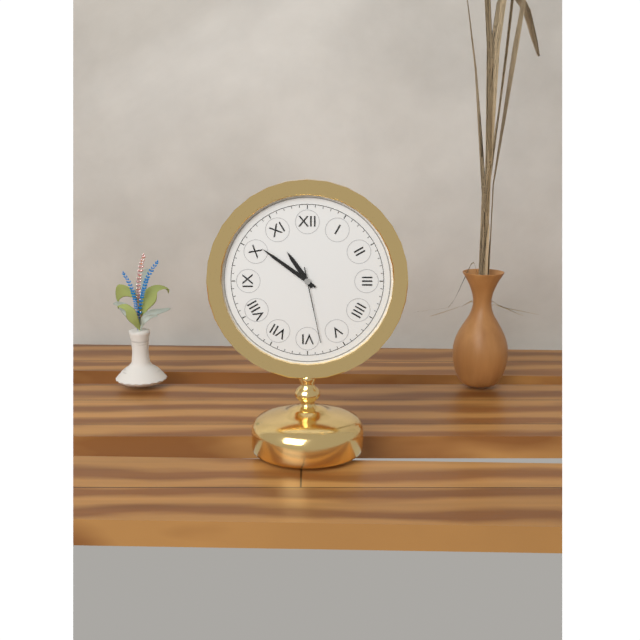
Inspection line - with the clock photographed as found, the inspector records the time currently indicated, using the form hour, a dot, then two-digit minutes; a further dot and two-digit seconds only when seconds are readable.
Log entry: 10.51.28
